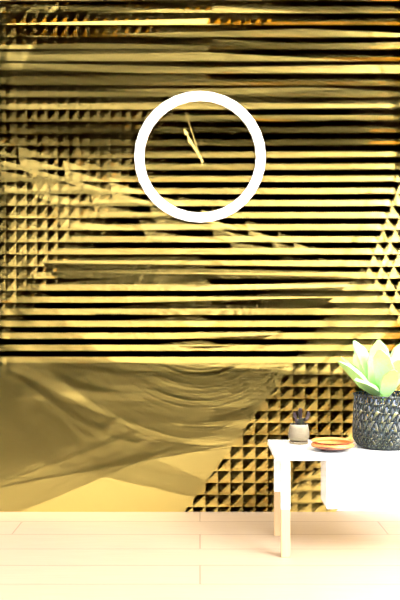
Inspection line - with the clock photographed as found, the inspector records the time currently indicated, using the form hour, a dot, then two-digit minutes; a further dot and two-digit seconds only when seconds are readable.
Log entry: 10.55.57
